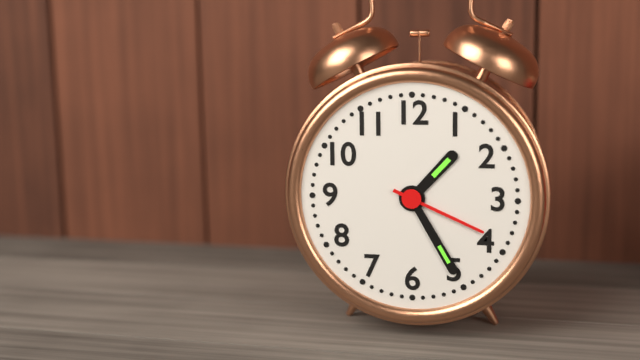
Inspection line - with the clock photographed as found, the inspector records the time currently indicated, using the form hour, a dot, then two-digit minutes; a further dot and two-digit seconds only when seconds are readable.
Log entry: 1.25.19
